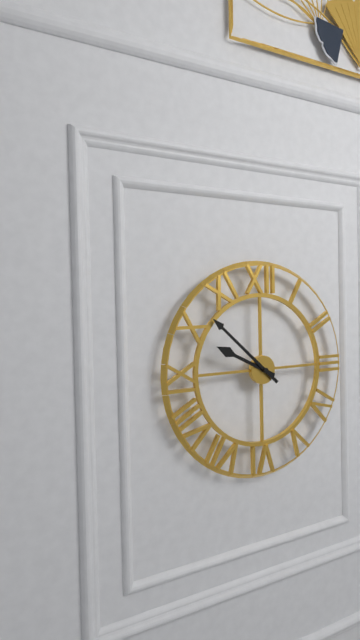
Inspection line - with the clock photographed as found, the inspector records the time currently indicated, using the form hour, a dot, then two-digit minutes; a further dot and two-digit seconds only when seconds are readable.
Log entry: 9.52
